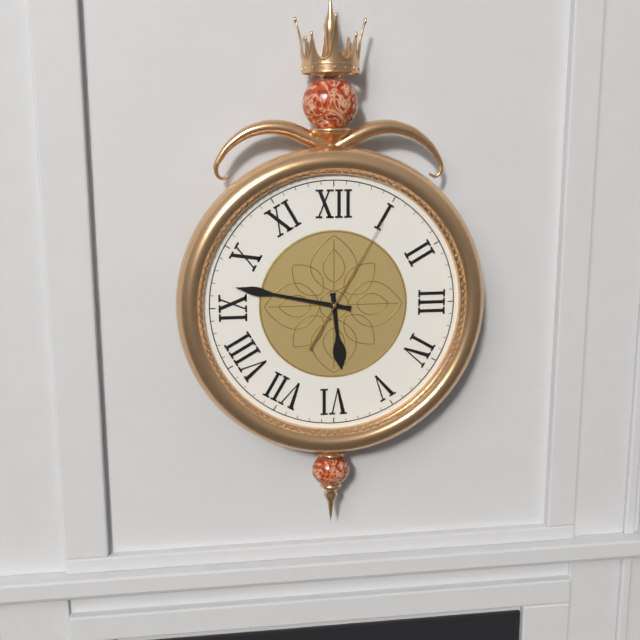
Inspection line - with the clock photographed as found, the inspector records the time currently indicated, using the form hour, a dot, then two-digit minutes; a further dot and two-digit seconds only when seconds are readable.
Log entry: 5.47.05
